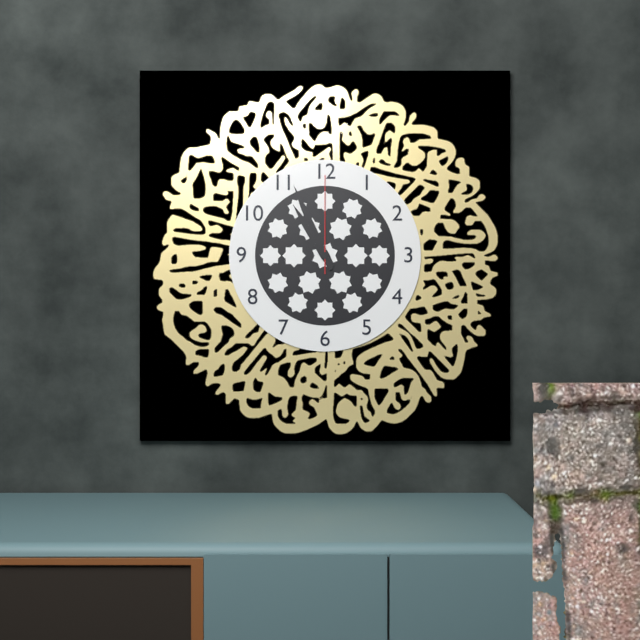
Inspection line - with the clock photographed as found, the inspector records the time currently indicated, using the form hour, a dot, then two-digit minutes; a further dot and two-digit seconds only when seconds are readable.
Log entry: 10.56.00
